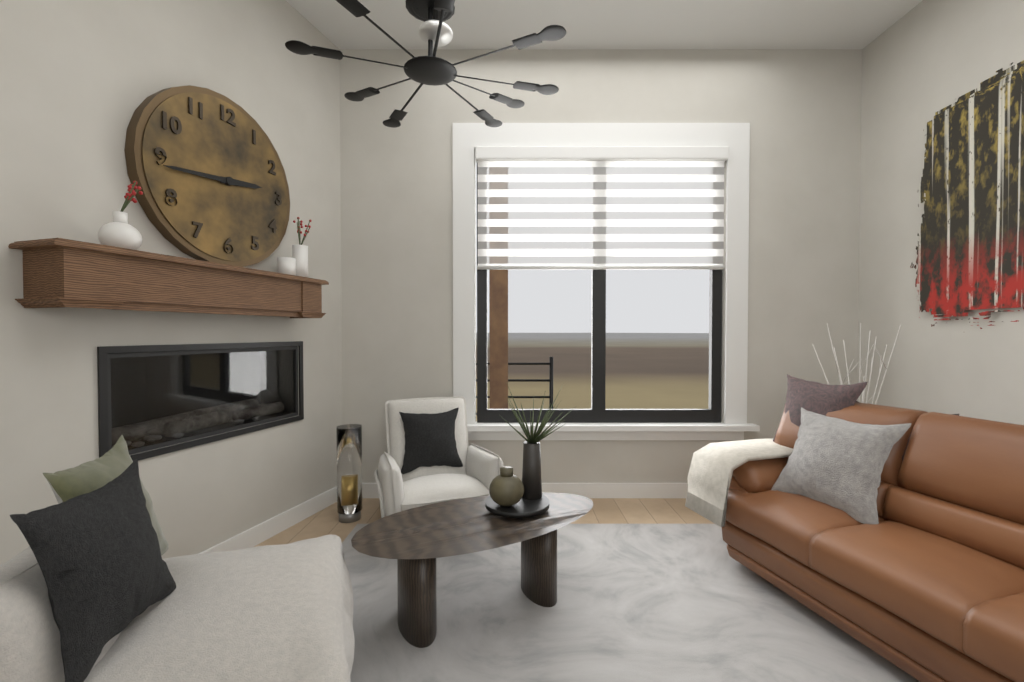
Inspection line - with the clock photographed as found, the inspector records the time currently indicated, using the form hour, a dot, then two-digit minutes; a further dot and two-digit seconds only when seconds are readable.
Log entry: 2.44
